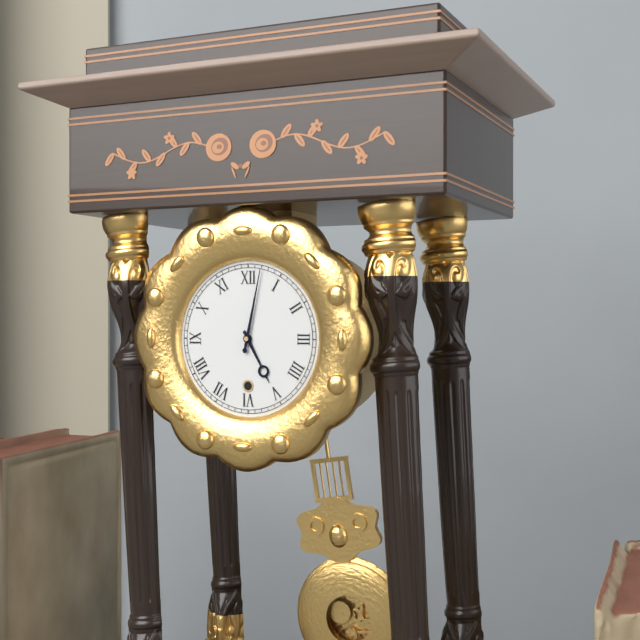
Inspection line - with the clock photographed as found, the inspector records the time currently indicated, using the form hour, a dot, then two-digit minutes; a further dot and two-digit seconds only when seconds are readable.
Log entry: 5.02
